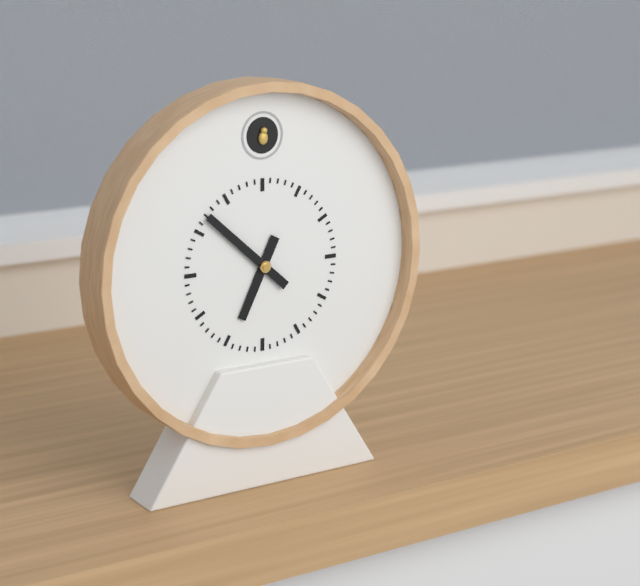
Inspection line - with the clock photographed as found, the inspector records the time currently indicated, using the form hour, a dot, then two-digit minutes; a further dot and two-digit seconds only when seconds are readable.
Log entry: 6.52
